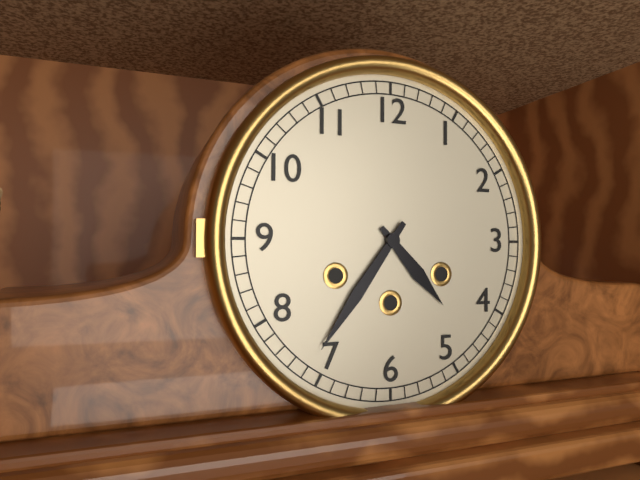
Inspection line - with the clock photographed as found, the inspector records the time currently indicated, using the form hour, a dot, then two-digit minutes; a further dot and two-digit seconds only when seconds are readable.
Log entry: 4.36
